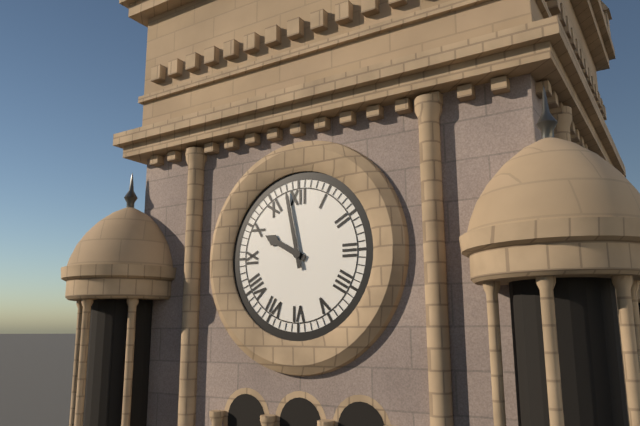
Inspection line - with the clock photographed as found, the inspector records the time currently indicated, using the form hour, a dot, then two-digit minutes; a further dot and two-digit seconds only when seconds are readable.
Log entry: 9.58
